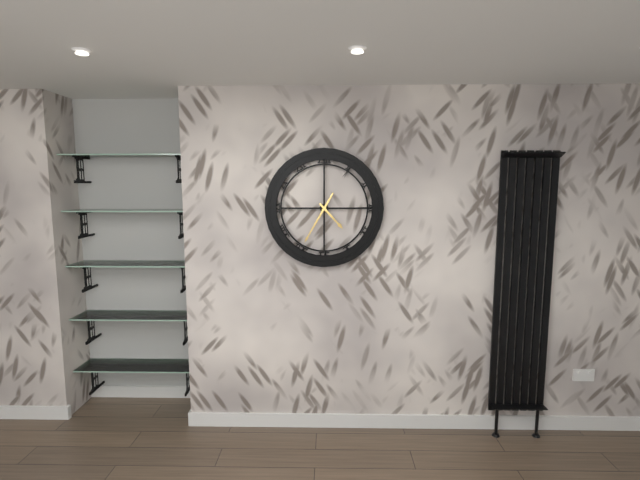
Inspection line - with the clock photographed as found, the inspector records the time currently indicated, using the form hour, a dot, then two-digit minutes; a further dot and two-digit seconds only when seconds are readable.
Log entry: 4.35
